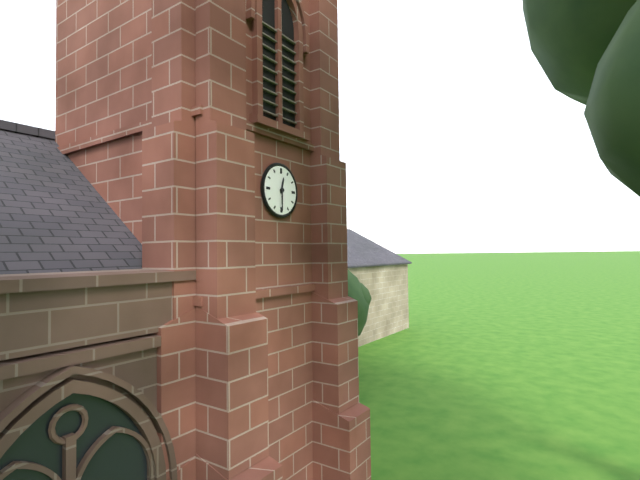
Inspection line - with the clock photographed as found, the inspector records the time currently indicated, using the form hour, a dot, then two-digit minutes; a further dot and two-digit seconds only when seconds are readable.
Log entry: 12.30
